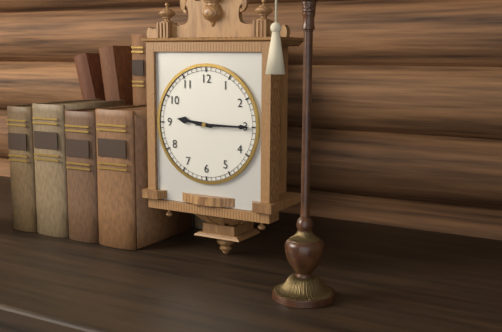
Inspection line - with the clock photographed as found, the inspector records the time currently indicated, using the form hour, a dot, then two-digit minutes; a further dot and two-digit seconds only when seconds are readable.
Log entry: 9.15
